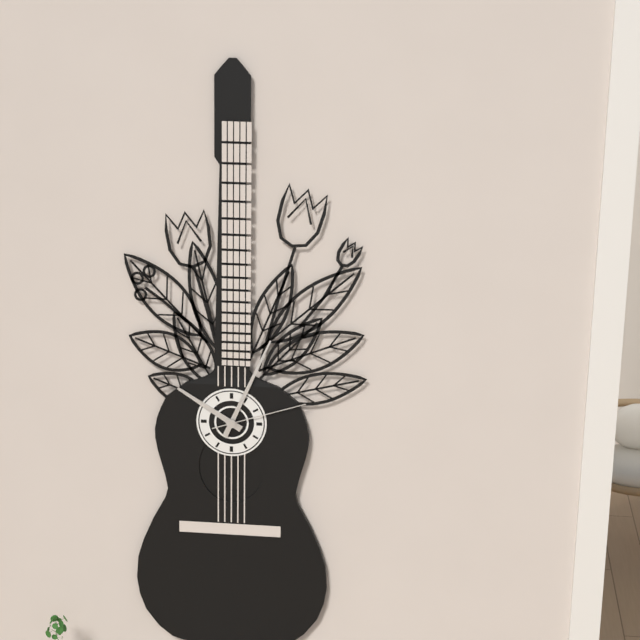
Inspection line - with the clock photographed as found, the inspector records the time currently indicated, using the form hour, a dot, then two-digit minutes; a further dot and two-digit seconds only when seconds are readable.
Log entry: 10.04.12
